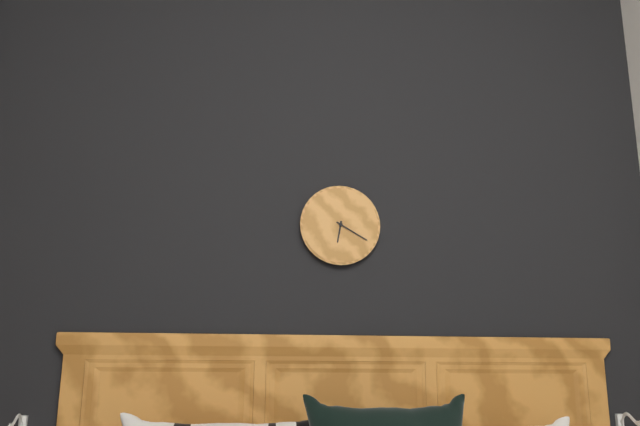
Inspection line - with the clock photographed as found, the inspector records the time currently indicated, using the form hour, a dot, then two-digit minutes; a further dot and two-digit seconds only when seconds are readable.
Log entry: 6.20
